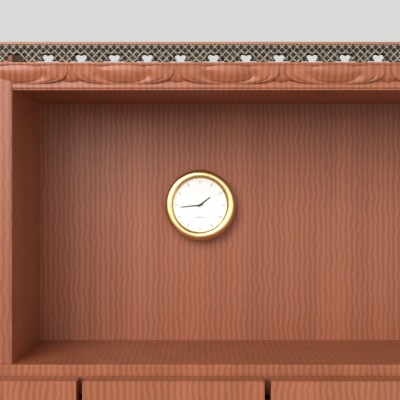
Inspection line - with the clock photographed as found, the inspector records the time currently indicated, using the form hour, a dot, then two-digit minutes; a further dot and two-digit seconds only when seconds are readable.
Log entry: 1.44
